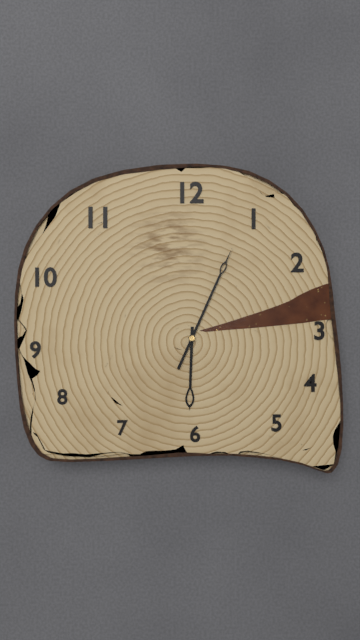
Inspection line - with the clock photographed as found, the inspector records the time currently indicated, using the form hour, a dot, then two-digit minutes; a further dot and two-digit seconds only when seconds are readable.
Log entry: 6.04
